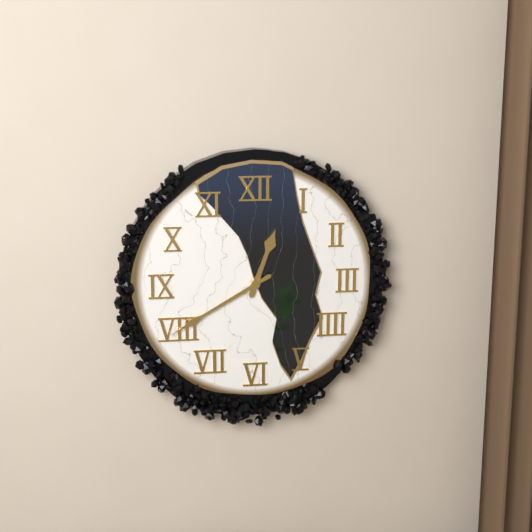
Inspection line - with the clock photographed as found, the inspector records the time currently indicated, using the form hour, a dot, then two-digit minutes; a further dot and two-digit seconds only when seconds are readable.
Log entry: 12.40
